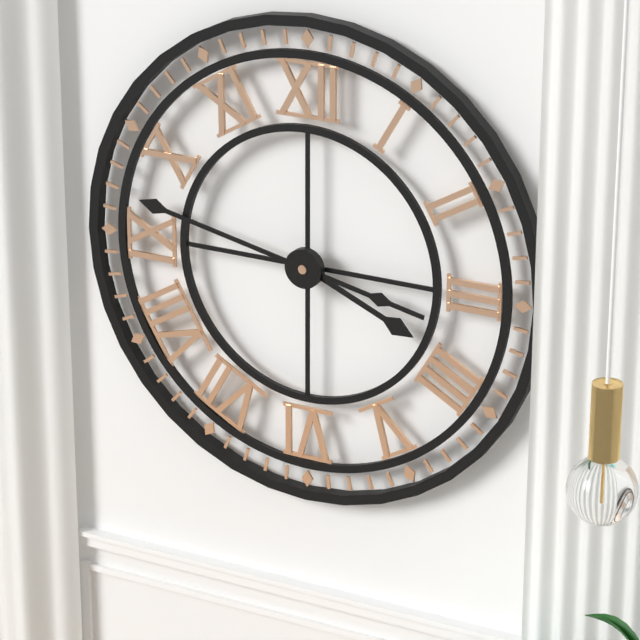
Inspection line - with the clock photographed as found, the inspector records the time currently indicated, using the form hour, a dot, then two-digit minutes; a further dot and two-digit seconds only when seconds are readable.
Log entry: 3.47
